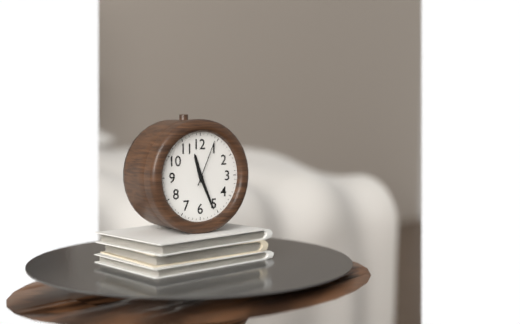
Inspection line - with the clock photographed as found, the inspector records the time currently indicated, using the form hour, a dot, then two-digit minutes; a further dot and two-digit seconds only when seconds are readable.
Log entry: 11.26
